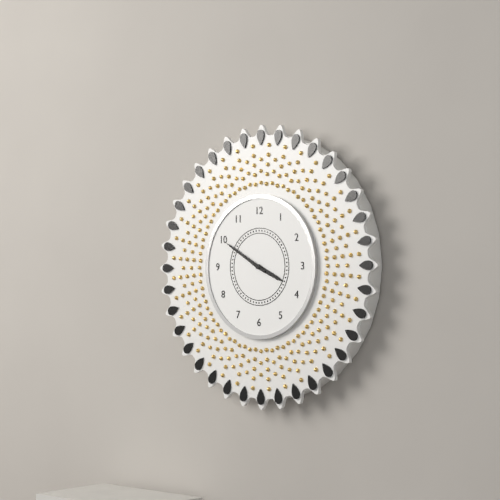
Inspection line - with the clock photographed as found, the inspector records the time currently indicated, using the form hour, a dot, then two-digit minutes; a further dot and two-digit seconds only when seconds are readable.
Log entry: 3.50
